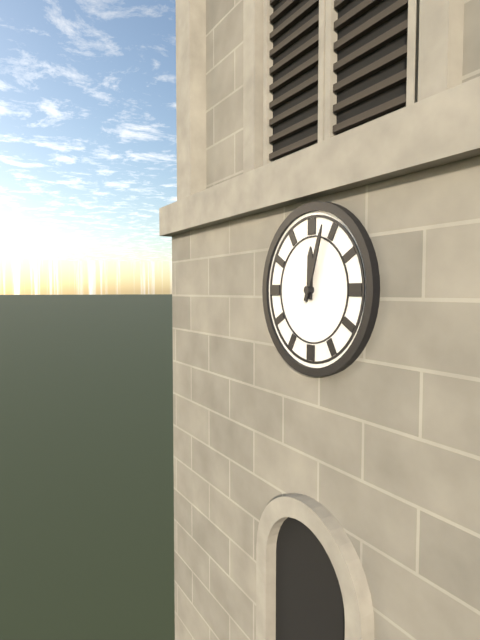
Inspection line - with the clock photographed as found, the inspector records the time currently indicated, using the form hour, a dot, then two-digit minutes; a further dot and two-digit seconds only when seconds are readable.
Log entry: 12.03
